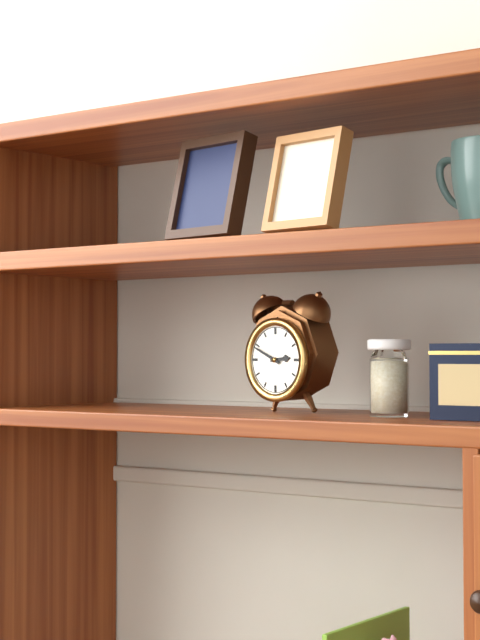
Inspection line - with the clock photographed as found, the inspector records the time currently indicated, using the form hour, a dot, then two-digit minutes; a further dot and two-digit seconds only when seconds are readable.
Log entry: 2.49
